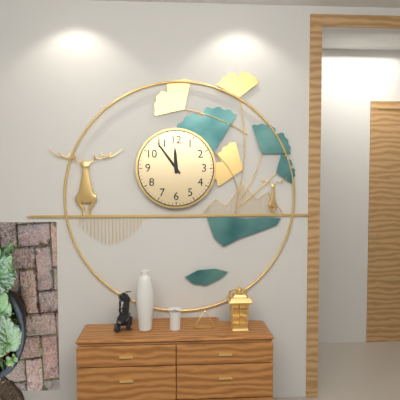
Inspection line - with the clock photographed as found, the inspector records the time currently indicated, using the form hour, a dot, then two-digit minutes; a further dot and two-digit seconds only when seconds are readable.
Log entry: 11.54
